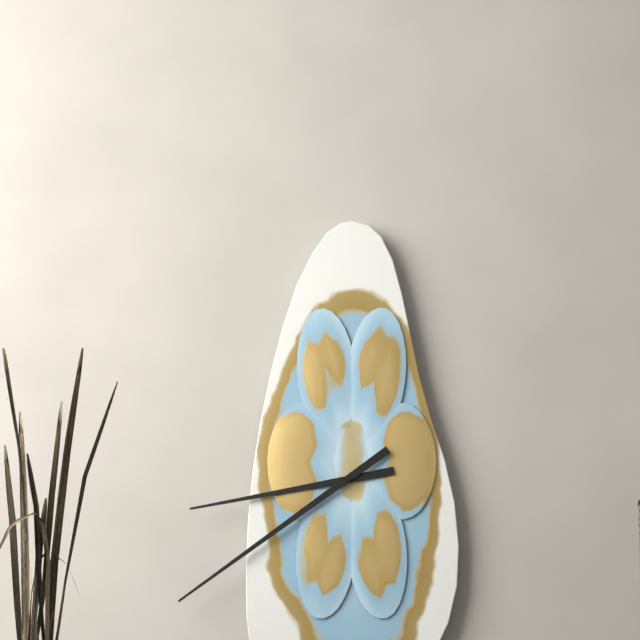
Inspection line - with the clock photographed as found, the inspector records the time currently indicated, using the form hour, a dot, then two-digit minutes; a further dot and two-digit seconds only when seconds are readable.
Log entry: 8.39
